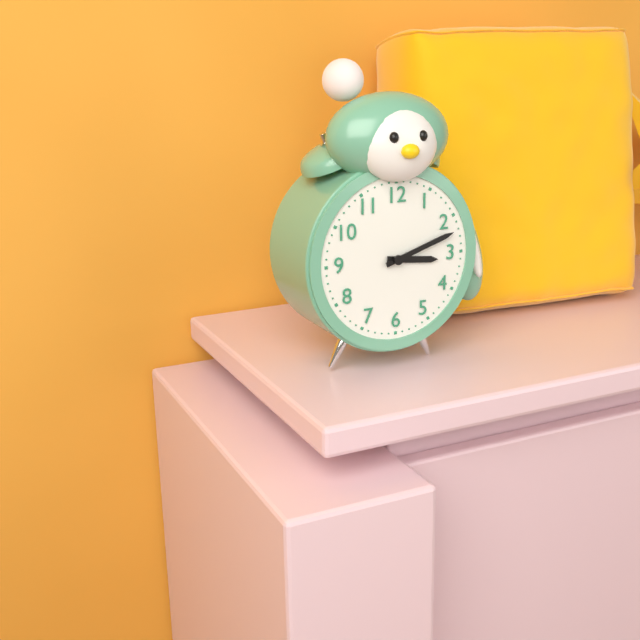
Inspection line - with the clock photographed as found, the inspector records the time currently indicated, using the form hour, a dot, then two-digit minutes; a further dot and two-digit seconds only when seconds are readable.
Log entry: 3.12
